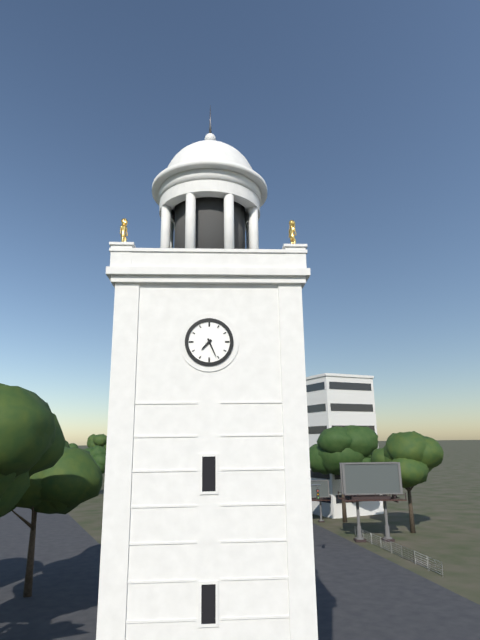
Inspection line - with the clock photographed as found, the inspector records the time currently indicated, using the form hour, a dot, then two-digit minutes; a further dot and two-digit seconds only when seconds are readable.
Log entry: 7.26
